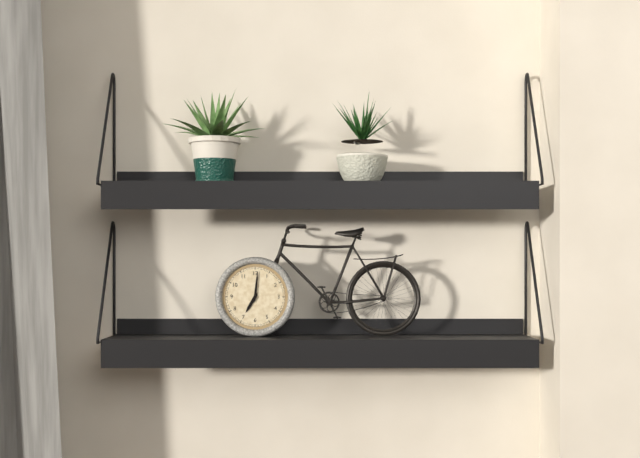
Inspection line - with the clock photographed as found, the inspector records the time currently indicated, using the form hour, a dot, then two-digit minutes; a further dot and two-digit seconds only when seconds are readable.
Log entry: 7.01
